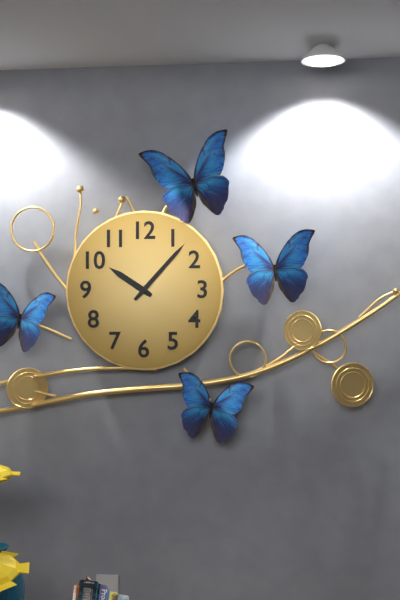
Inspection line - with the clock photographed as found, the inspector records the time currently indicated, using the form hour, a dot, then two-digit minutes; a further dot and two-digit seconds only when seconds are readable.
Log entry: 10.07
